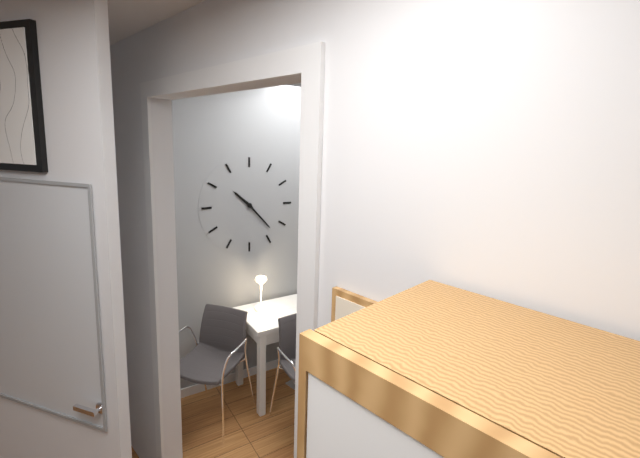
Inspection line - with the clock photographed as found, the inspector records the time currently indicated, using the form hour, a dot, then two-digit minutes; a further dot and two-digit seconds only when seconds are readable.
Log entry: 10.23
